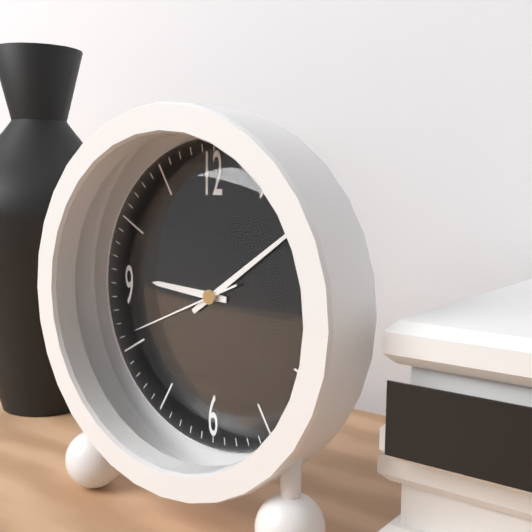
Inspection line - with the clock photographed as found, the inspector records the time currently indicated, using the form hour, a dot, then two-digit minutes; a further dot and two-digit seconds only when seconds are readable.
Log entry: 9.09.41
